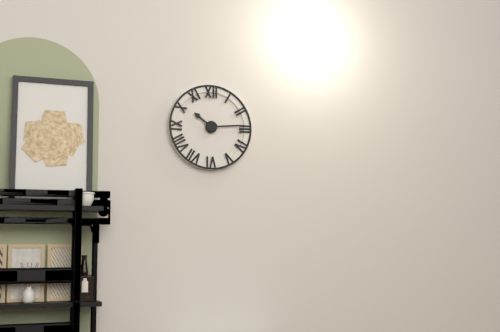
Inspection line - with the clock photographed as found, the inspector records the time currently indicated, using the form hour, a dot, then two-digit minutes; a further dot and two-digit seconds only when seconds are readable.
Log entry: 10.14
